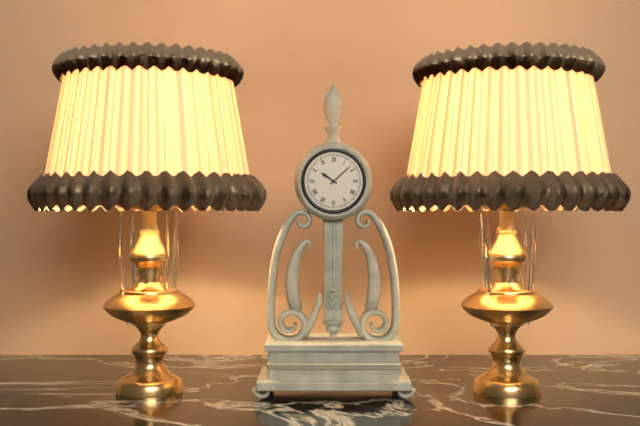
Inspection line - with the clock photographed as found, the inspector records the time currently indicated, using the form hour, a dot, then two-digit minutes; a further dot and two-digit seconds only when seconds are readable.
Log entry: 10.08
